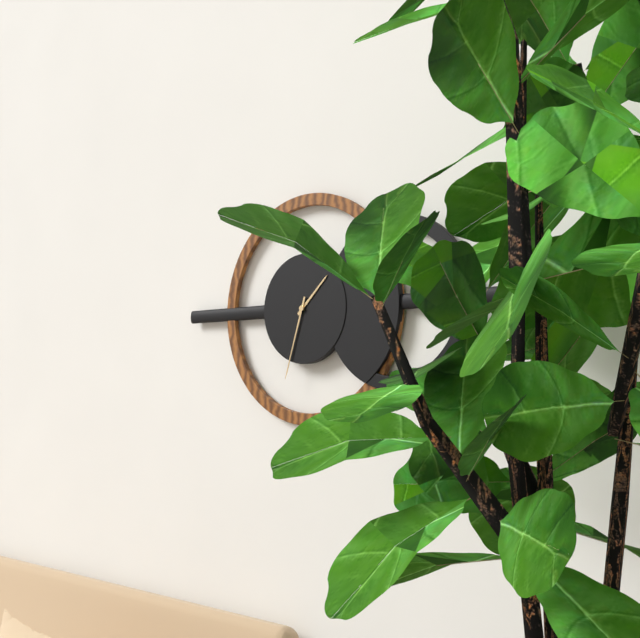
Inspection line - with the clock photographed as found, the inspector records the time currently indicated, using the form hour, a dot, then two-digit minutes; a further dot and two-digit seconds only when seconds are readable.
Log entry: 1.33
